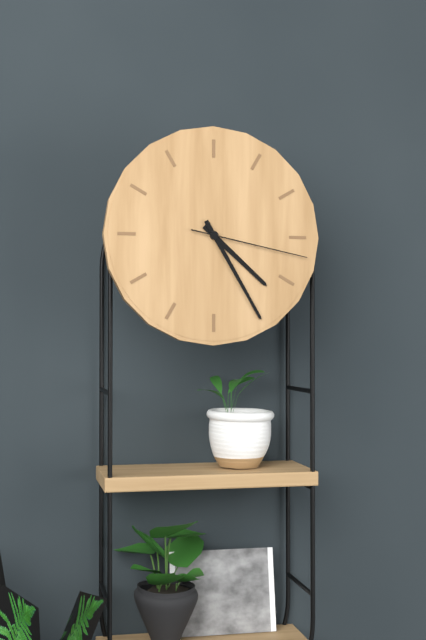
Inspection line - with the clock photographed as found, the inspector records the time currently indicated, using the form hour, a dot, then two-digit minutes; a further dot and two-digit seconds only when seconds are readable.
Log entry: 4.25.17
